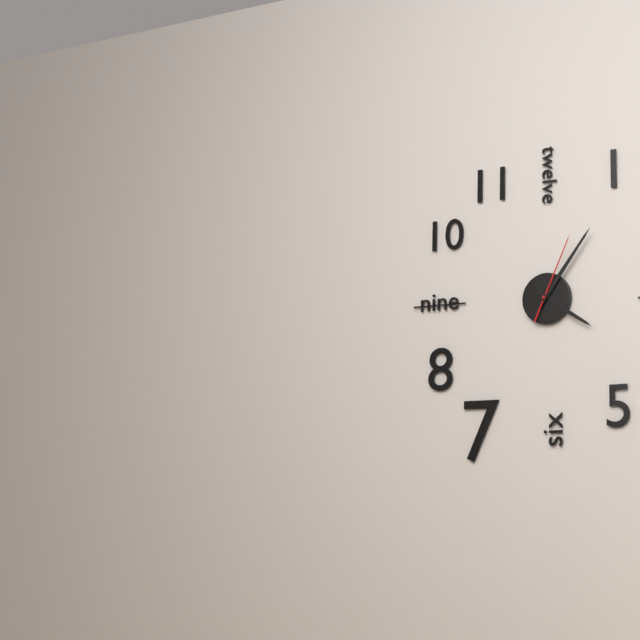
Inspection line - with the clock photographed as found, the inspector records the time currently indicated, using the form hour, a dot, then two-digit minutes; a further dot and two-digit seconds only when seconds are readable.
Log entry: 4.06.04
